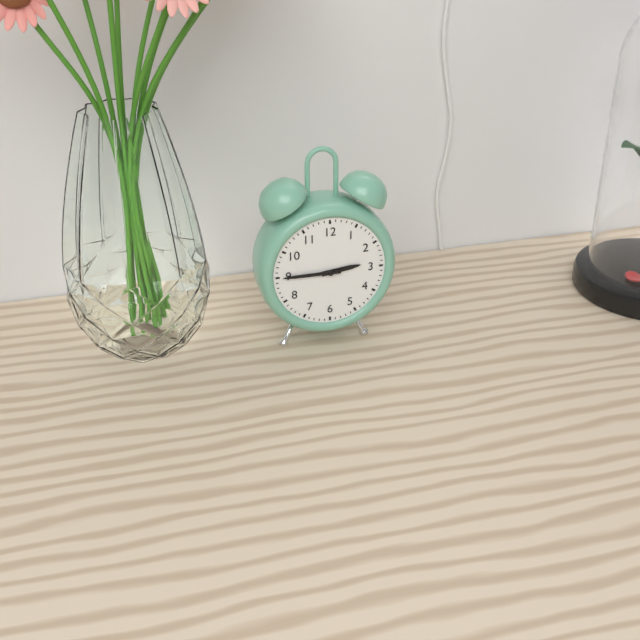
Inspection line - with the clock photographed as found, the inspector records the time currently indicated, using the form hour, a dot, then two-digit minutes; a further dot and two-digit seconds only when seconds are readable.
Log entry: 2.45
